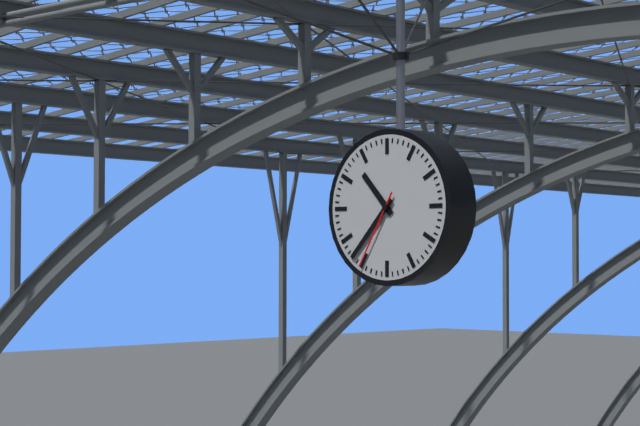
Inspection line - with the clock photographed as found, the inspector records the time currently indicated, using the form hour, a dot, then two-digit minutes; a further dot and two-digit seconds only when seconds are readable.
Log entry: 10.37.35
